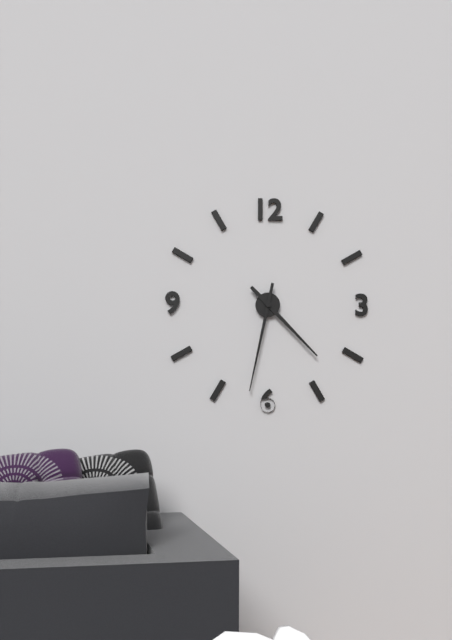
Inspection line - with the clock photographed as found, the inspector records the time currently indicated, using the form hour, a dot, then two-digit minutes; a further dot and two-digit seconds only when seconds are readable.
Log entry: 4.32
